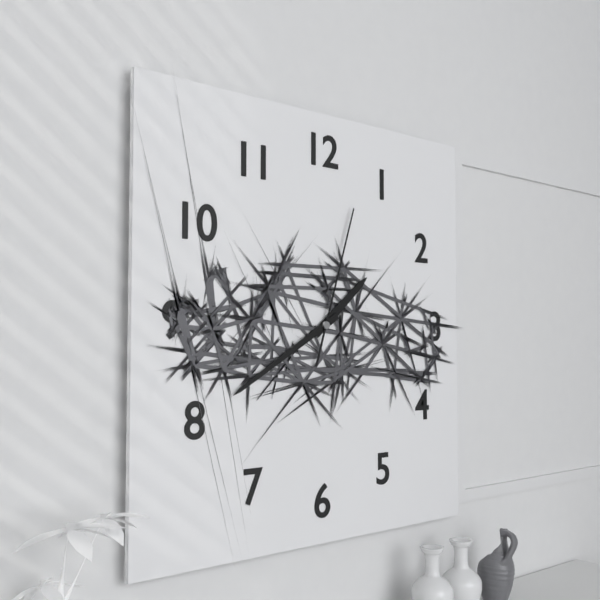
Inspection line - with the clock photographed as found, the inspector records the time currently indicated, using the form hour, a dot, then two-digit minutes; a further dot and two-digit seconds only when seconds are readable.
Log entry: 1.40.03
